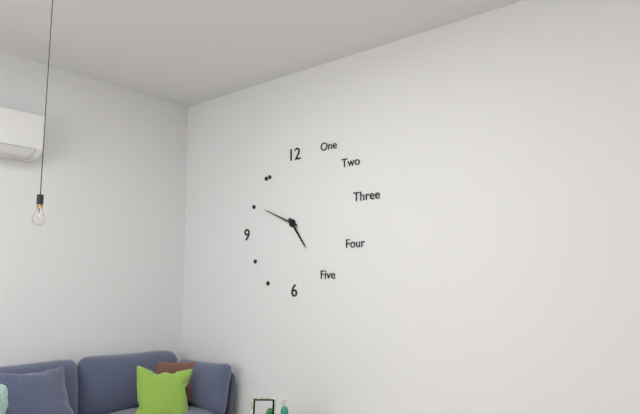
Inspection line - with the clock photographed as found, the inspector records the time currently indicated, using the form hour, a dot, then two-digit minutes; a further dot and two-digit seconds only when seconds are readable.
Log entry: 4.49
